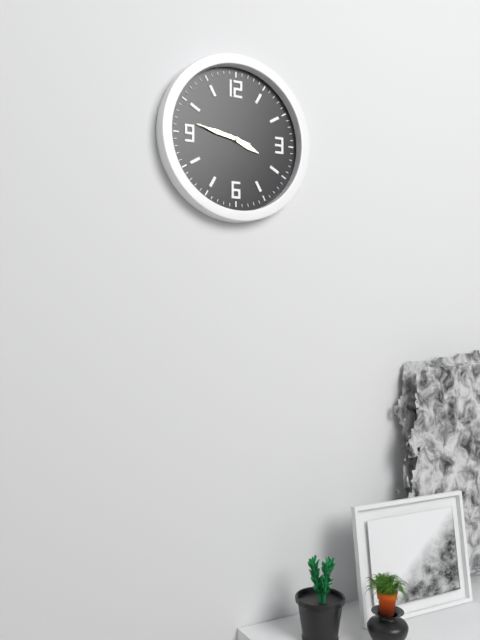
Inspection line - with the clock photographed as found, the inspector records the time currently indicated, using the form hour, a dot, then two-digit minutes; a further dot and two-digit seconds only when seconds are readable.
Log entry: 3.47.47
